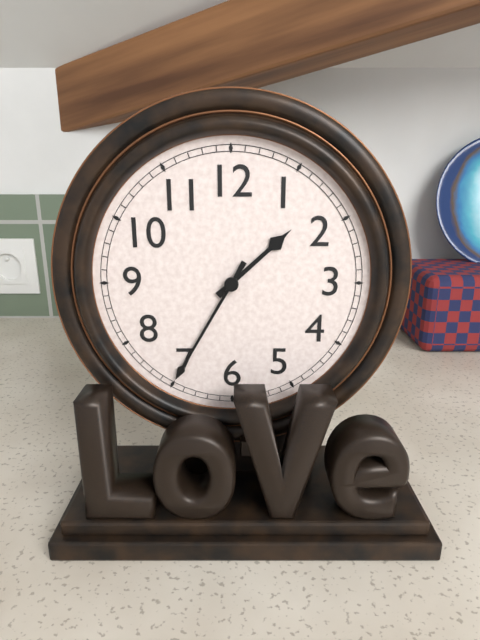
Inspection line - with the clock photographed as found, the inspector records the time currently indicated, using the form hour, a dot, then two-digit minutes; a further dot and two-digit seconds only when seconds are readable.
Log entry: 1.35
